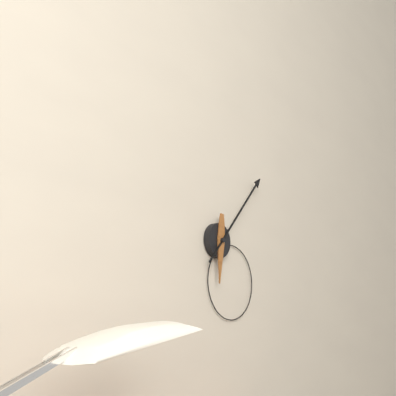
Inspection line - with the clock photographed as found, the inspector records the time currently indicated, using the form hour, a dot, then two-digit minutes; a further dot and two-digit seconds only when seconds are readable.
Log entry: 6.07
